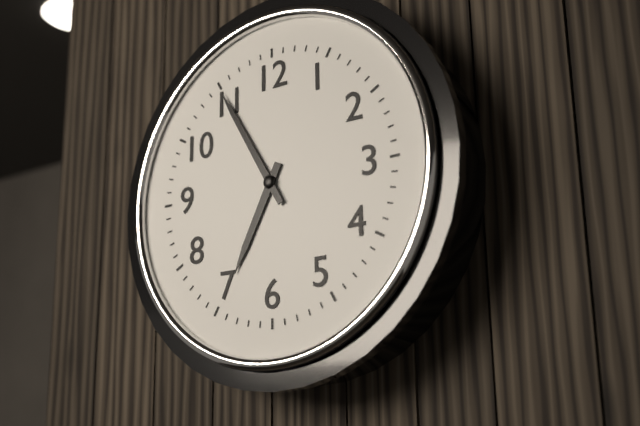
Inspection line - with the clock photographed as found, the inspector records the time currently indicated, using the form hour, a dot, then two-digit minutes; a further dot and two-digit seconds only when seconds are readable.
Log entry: 6.55
